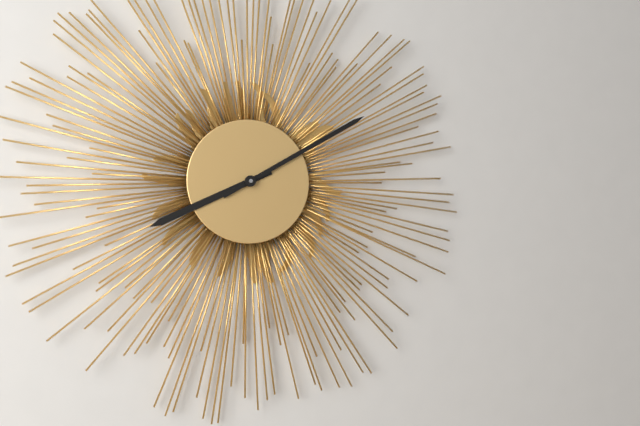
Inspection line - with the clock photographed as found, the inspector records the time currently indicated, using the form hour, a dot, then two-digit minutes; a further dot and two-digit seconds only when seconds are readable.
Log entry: 8.10
